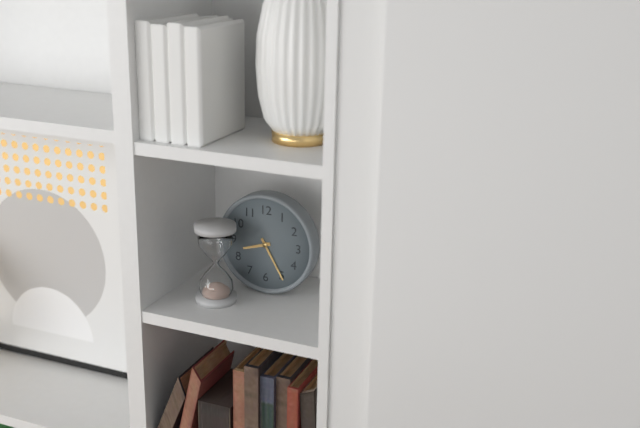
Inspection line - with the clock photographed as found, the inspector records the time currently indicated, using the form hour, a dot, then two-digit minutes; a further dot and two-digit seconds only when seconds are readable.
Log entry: 8.25
